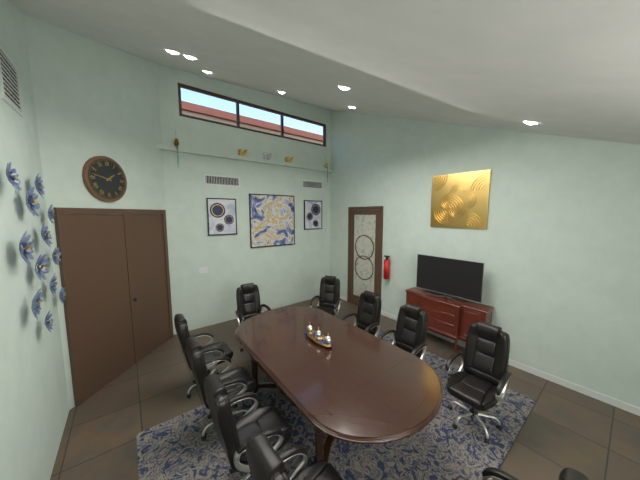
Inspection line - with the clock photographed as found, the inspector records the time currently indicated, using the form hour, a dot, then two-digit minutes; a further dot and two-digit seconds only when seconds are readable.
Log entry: 1.47
